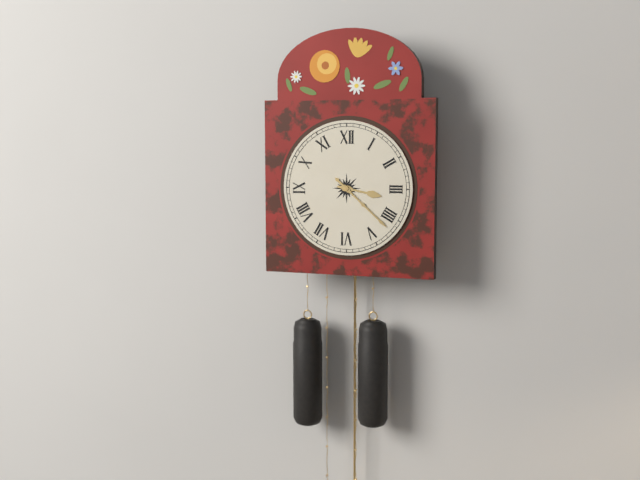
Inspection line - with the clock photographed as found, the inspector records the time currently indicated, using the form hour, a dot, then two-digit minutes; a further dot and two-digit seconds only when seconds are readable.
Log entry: 3.22
